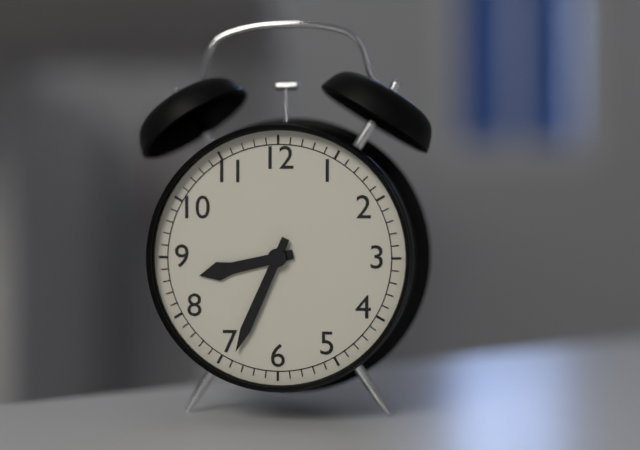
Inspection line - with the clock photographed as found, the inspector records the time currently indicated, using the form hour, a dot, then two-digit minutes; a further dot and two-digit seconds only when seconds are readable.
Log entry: 8.34
